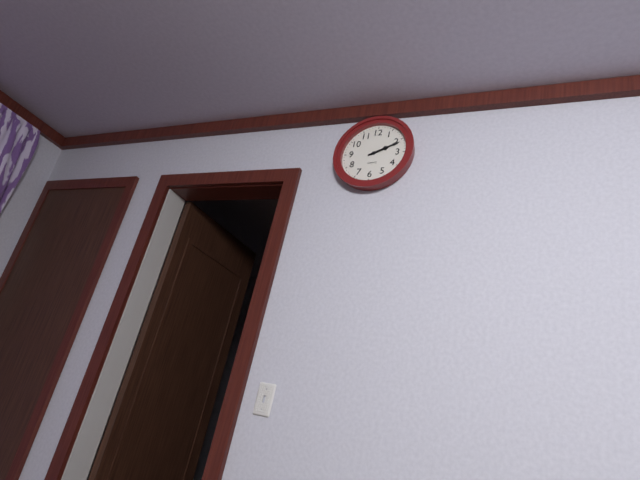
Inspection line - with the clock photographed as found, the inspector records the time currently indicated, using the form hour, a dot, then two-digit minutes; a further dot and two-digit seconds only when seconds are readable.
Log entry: 2.11
